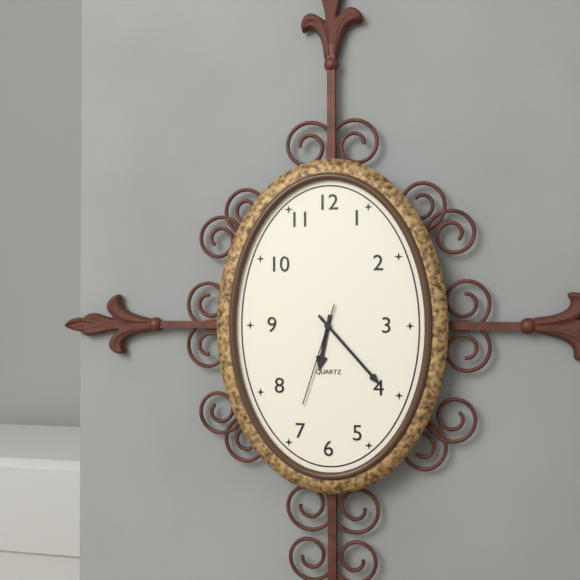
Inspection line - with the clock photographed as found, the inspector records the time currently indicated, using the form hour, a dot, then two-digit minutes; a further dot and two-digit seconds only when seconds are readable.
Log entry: 6.23.33
